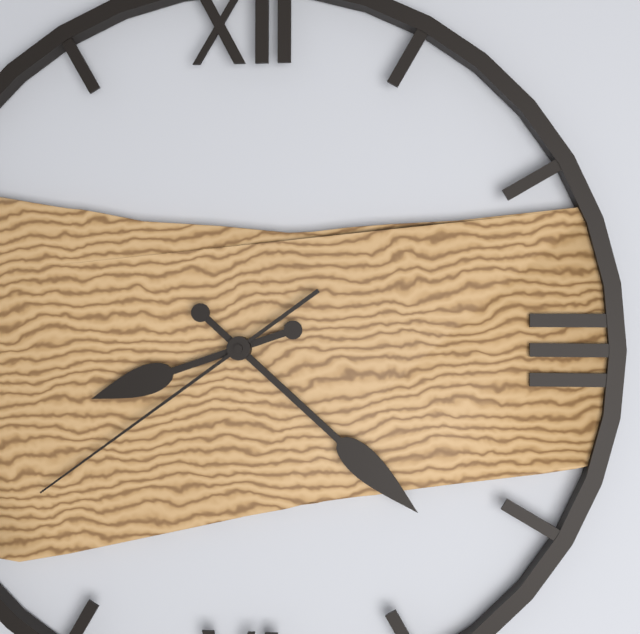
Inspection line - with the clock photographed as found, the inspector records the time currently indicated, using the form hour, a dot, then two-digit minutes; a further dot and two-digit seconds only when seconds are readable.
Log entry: 8.22.39
